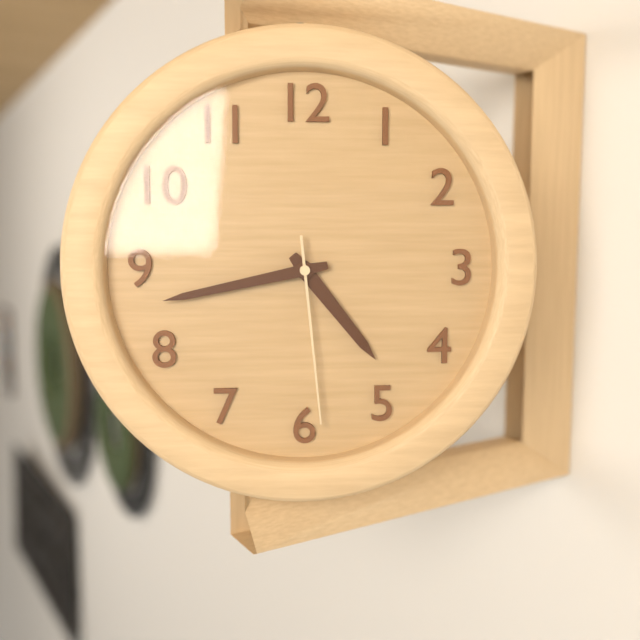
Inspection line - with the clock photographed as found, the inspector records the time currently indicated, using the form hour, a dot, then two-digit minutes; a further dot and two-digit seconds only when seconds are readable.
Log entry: 4.43.29
